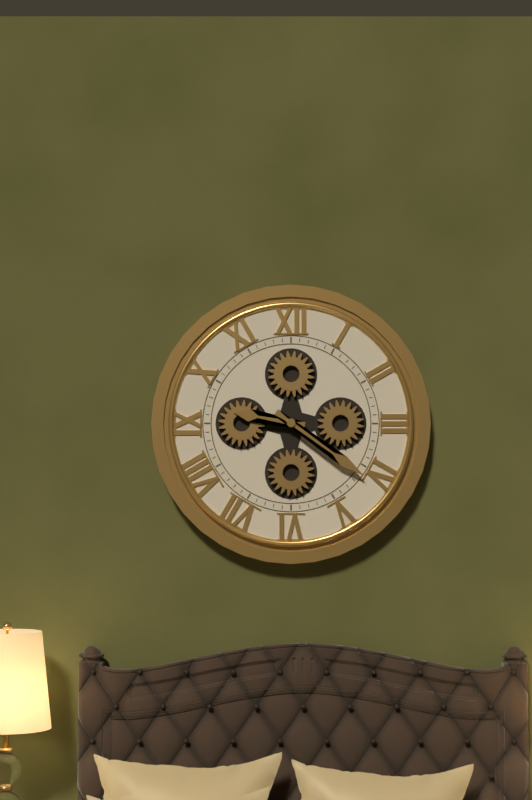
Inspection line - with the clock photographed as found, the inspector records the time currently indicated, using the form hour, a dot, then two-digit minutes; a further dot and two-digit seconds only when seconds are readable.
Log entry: 9.21
